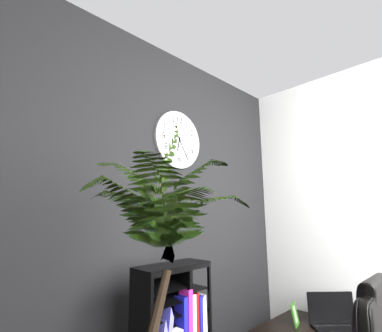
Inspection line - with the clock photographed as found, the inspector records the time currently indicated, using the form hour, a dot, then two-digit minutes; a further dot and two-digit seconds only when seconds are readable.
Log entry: 6.25
